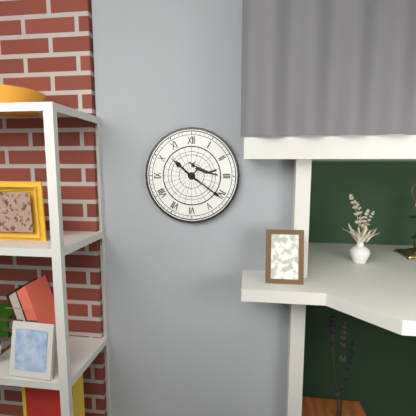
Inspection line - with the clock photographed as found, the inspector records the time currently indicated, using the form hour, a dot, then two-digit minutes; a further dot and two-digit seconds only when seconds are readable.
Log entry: 10.21
